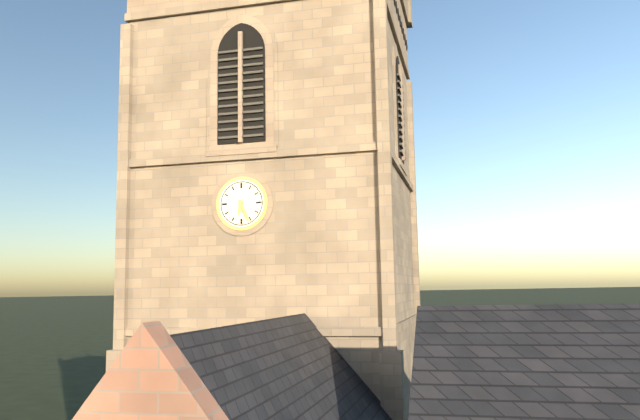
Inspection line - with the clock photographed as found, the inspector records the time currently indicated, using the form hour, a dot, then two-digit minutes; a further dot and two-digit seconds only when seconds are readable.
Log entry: 6.26
